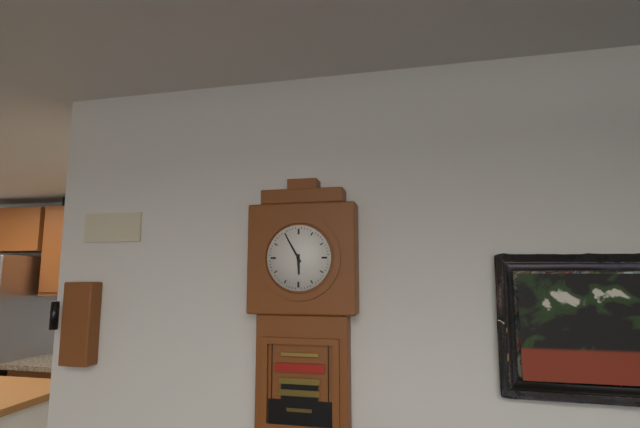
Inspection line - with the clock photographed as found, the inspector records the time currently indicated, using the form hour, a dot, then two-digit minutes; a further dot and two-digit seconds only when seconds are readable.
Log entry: 5.55
